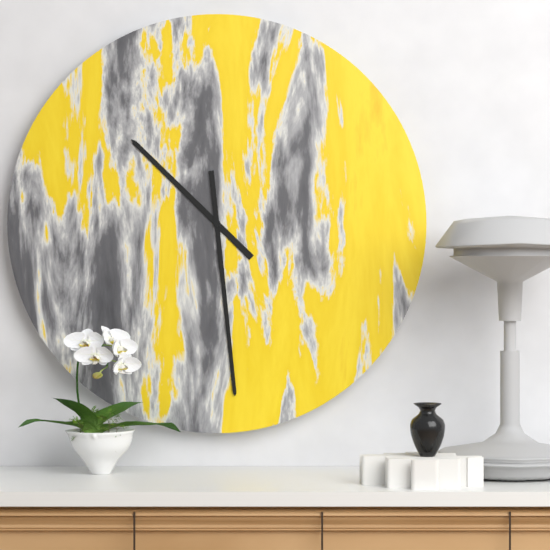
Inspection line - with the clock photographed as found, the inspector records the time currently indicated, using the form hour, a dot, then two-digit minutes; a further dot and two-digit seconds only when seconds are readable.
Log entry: 10.29
